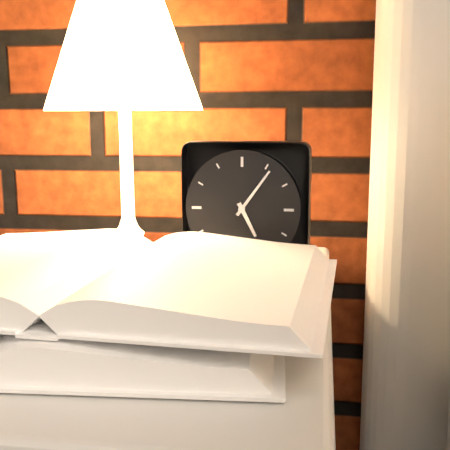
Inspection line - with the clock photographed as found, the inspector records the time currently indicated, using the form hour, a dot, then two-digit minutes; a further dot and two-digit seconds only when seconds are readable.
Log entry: 5.06
